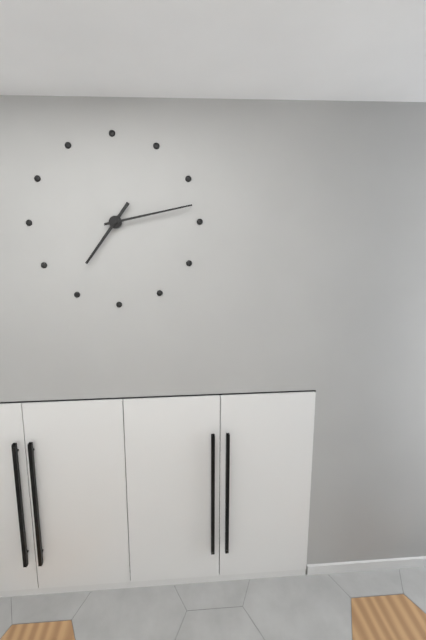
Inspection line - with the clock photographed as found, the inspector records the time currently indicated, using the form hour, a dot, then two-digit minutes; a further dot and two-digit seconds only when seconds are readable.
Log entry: 7.13
